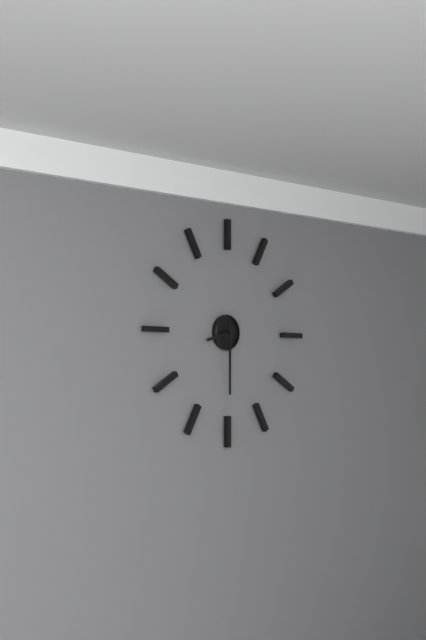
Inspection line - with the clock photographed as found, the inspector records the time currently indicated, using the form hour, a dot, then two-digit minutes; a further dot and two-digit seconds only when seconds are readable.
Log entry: 8.30
